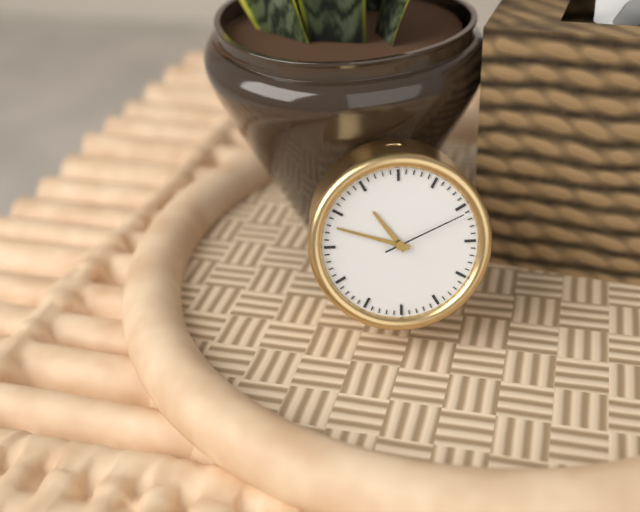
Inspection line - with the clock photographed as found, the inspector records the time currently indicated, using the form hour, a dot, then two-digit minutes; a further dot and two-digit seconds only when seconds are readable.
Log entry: 10.48.11
